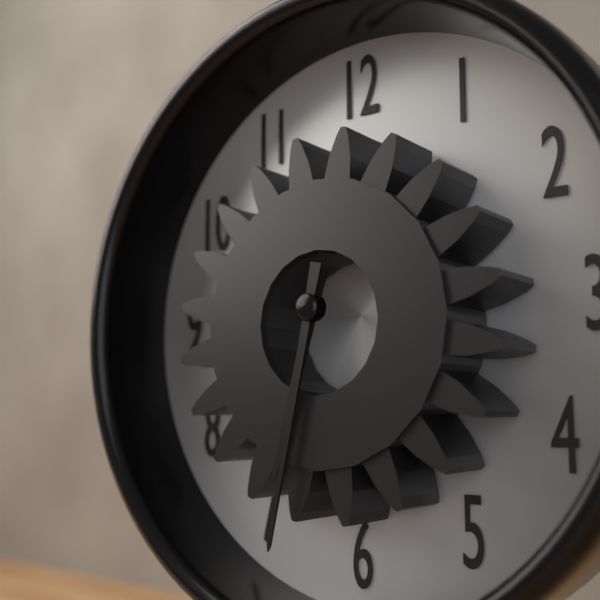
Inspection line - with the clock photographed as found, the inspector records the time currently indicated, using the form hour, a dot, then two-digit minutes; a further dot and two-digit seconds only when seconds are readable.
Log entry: 6.32
